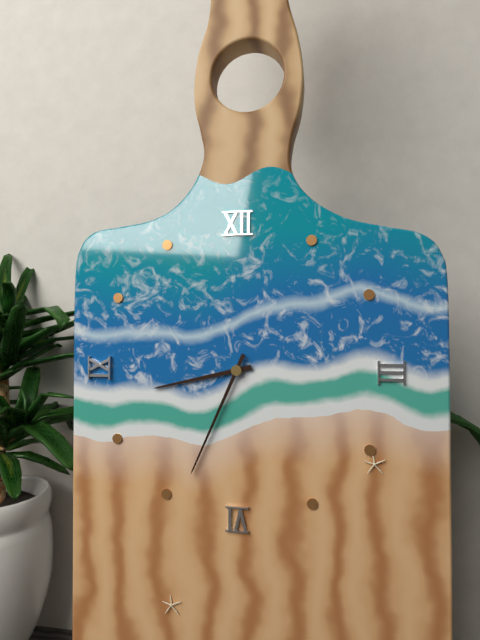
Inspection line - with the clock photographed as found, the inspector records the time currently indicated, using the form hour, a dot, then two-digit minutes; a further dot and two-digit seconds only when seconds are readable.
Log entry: 8.34
